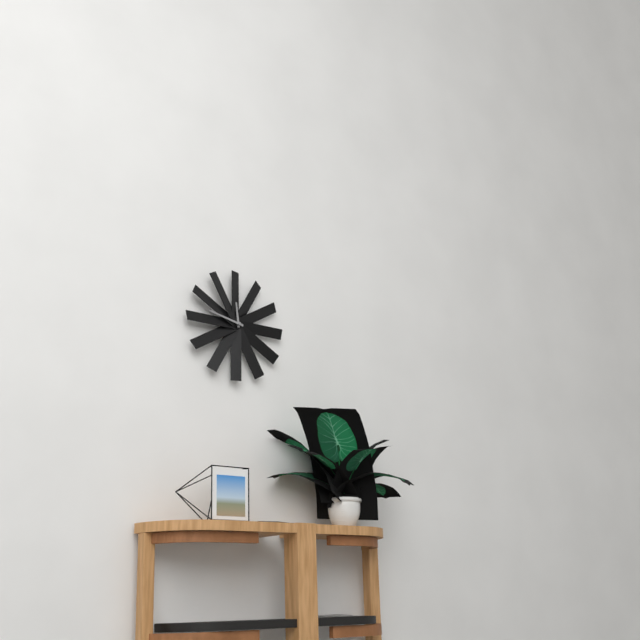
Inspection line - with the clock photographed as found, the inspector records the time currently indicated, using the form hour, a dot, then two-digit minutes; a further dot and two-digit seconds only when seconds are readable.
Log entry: 11.47
